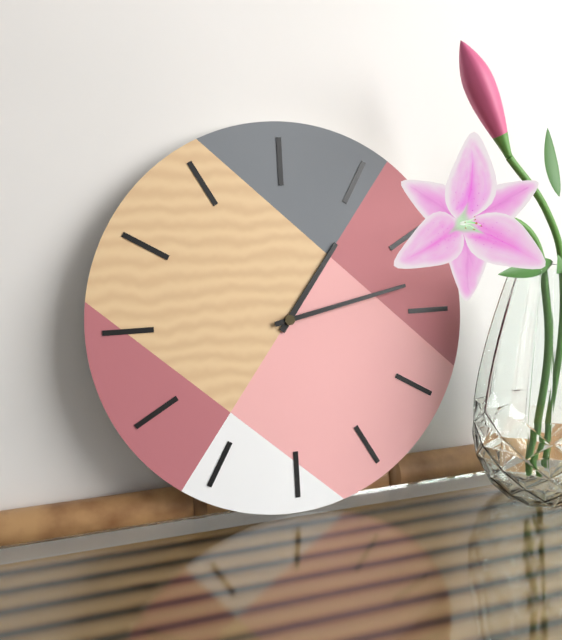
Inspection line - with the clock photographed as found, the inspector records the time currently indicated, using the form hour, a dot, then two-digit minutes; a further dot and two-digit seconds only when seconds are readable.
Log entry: 1.13
